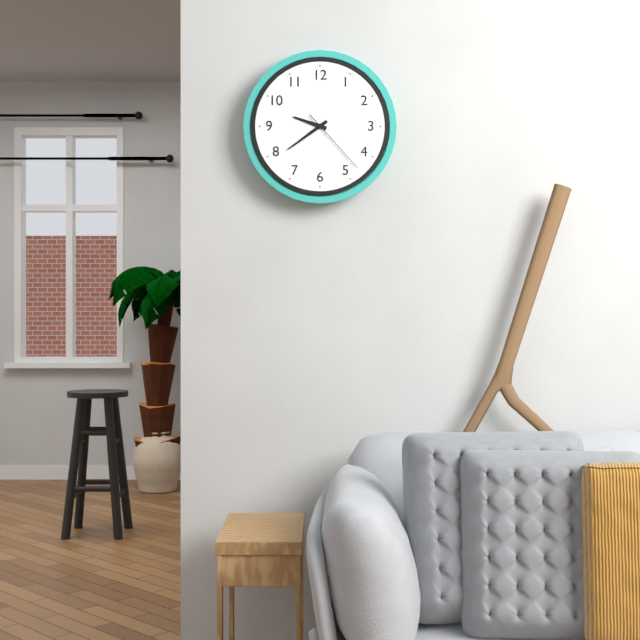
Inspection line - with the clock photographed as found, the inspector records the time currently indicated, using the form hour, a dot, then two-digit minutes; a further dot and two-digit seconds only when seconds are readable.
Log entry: 9.39.23
